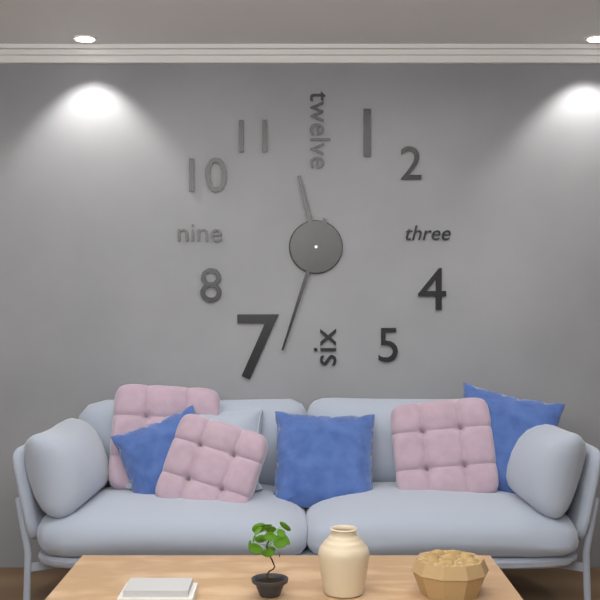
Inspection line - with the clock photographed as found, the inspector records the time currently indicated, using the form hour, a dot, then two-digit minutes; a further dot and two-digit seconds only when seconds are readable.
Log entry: 11.33
